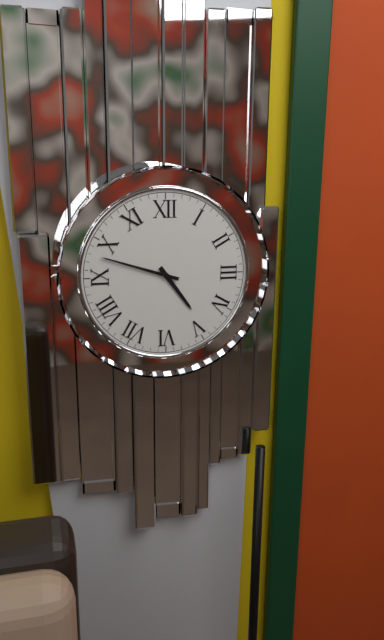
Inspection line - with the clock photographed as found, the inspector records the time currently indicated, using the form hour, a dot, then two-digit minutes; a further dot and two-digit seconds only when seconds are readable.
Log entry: 4.48
